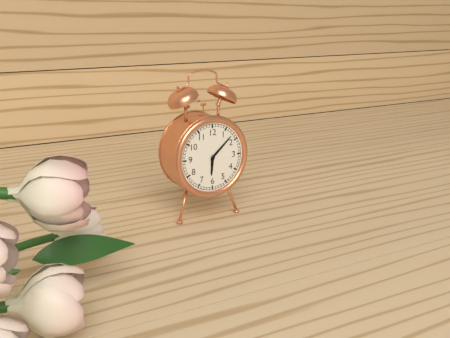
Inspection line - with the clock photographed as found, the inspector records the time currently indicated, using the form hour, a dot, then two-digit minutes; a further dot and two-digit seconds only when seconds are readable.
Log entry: 6.08
